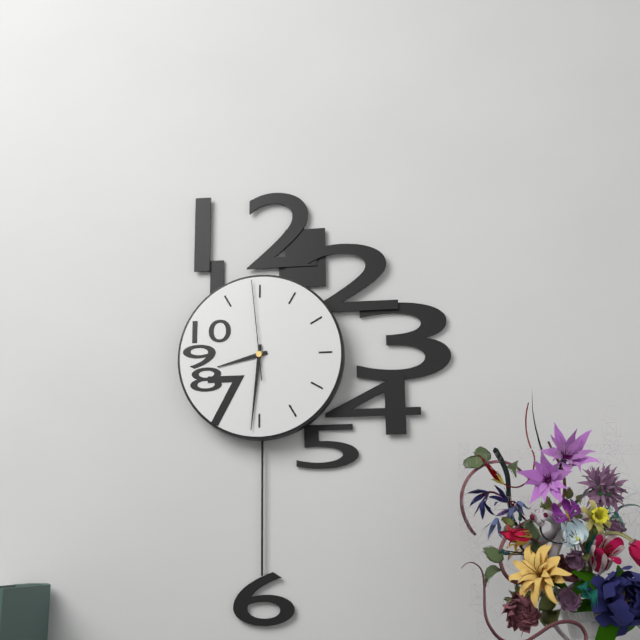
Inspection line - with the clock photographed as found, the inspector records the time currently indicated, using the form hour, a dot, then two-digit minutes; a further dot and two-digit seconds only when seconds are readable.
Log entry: 8.31.59
